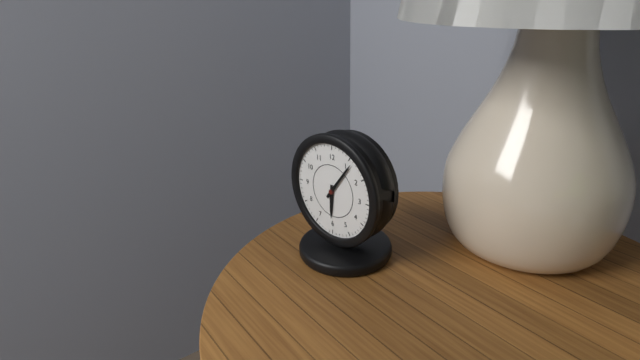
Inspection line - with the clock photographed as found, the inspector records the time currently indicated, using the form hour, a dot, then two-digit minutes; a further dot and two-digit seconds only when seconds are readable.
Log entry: 6.06
